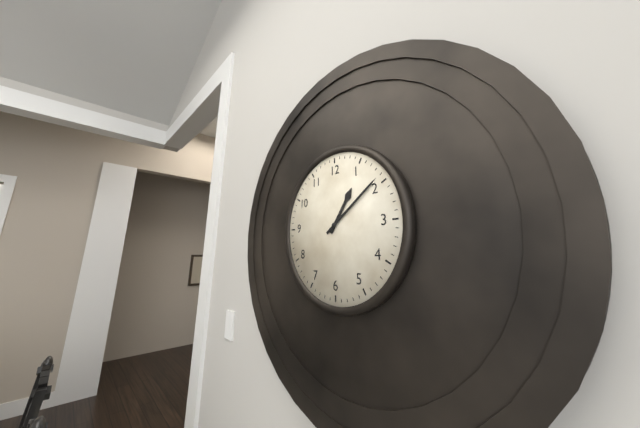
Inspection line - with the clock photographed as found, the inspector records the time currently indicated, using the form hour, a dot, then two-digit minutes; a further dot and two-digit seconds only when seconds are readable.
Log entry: 1.09
